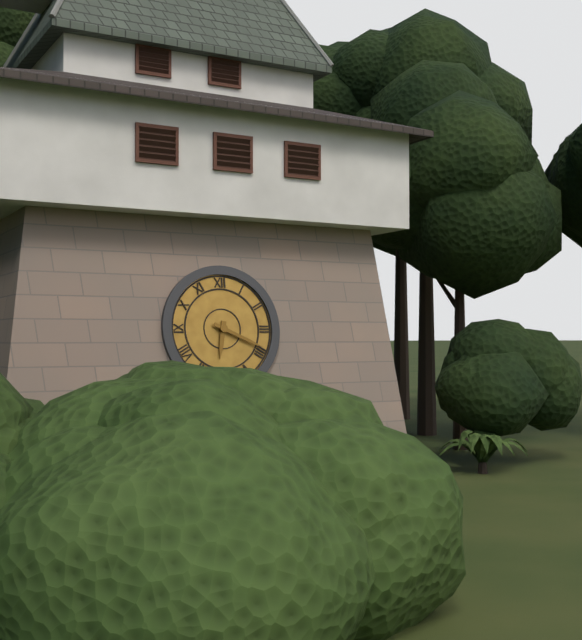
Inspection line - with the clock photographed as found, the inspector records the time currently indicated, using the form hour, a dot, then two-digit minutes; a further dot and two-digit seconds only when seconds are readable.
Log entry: 6.19
